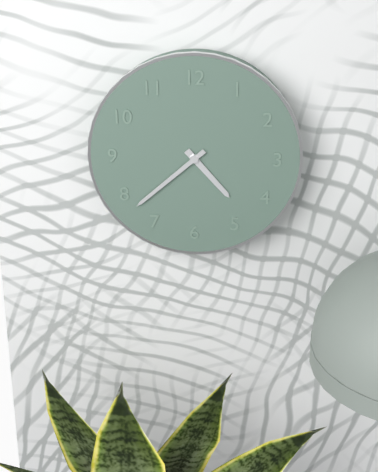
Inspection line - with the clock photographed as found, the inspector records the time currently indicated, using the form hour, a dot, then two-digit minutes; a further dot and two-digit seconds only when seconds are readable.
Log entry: 4.38
